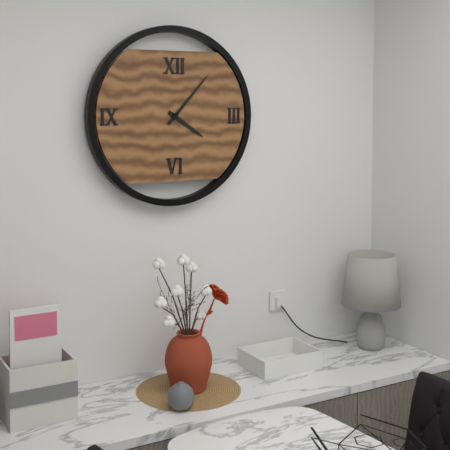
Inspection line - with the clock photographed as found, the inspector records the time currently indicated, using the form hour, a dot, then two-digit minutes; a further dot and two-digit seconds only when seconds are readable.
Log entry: 4.07
